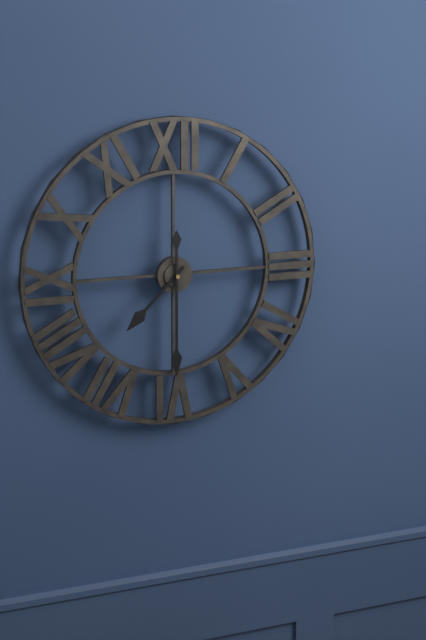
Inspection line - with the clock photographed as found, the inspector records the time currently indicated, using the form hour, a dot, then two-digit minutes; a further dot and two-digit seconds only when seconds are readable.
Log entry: 7.30
